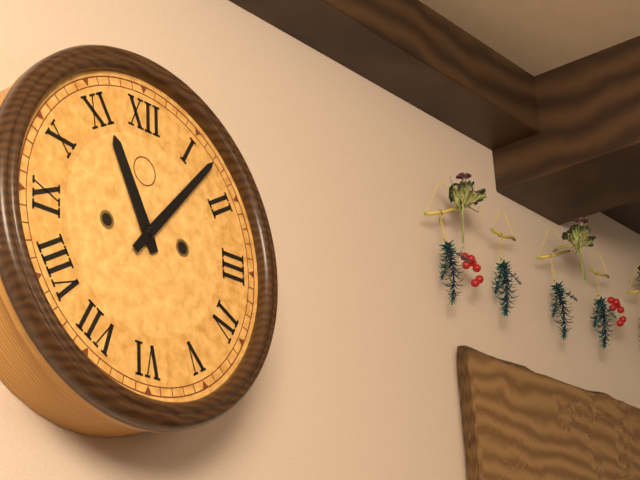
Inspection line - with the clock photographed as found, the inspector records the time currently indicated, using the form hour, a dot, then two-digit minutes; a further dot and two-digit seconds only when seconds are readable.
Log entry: 11.07
